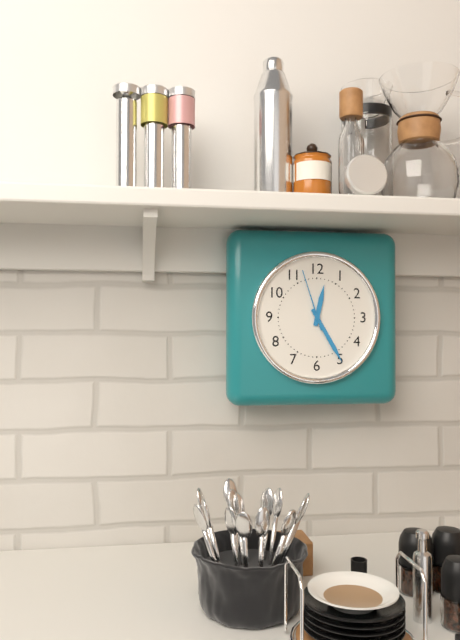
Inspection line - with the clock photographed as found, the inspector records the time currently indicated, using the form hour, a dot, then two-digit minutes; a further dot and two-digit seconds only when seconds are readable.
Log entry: 12.25.57
